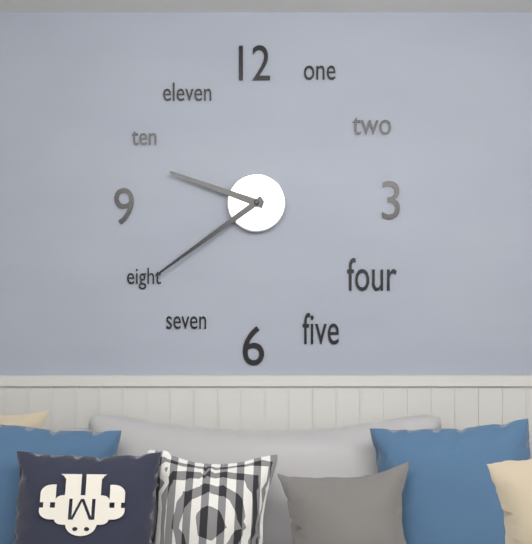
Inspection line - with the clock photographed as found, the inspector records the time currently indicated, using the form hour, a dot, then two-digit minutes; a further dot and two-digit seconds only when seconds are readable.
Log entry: 9.39
